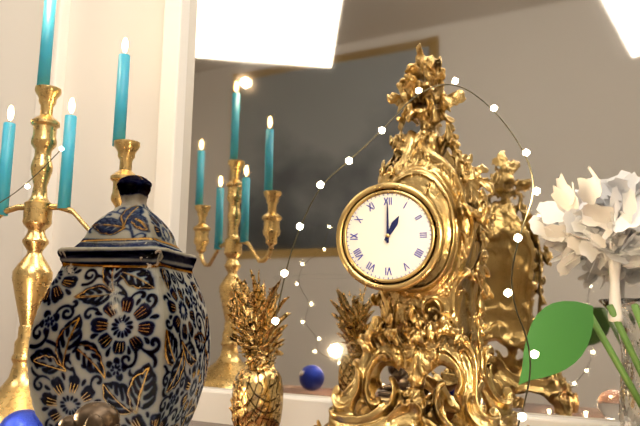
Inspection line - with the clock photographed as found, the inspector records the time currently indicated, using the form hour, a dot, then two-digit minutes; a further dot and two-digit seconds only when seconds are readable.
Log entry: 1.00
